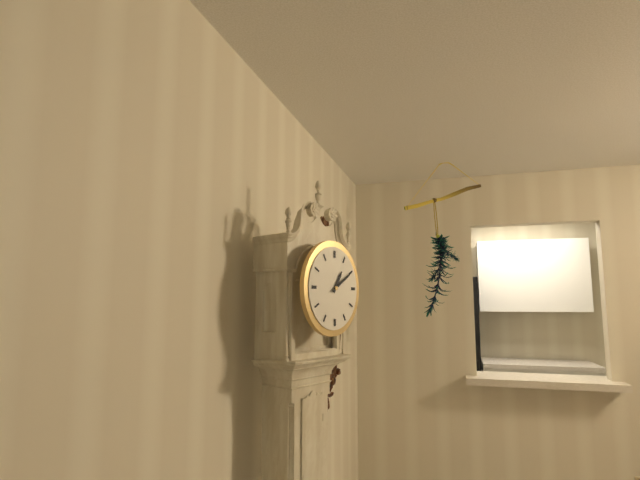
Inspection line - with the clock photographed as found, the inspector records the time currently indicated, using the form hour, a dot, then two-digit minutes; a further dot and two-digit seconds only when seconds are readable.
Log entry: 1.10
